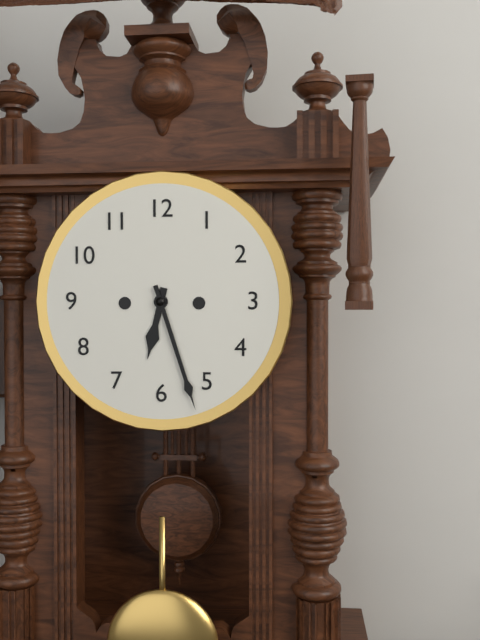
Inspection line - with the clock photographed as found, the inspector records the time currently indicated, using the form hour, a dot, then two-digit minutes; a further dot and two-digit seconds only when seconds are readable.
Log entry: 6.27
